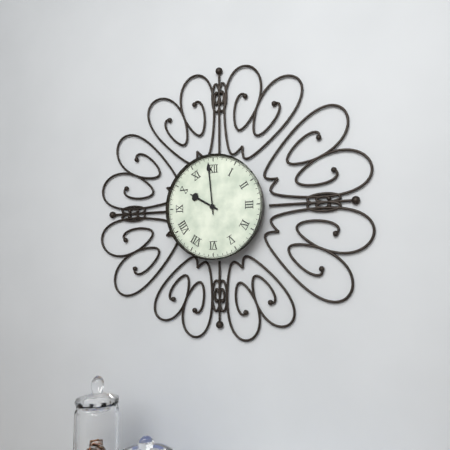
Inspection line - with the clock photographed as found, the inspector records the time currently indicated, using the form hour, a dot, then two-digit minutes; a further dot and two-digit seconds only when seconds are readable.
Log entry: 9.59
